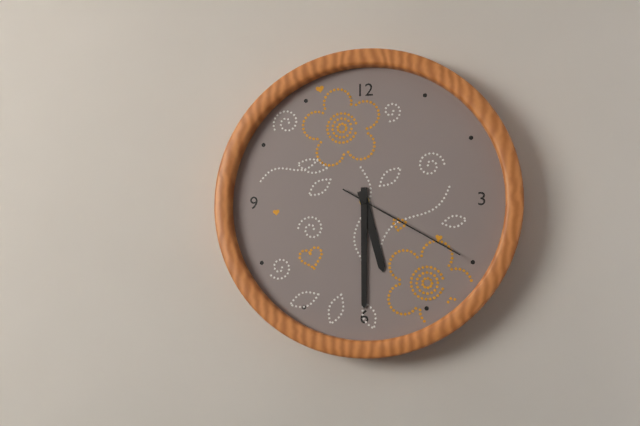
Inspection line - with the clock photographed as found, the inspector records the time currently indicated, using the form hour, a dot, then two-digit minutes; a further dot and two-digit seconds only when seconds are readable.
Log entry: 5.30.20
